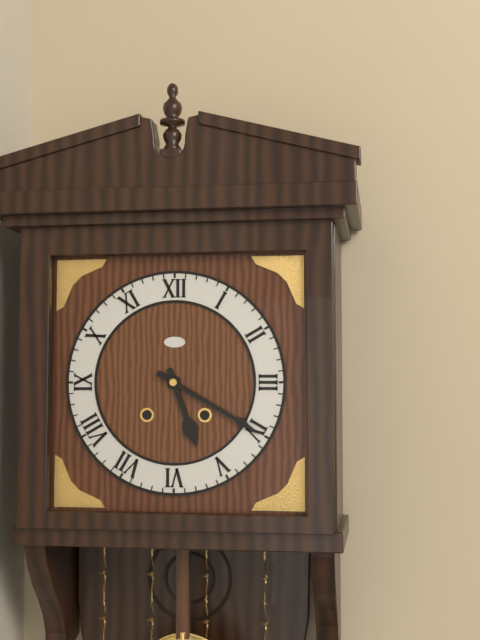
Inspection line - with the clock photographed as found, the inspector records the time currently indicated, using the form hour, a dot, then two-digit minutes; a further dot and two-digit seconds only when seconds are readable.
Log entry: 5.20
